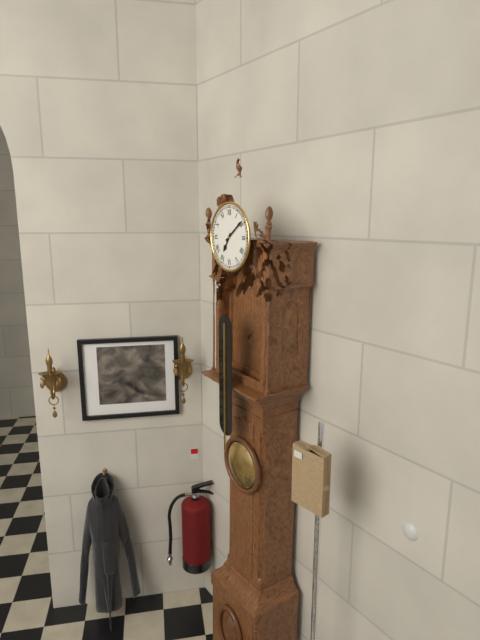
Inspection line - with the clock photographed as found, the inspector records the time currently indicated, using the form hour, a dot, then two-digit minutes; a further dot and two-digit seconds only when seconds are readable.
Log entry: 7.09
